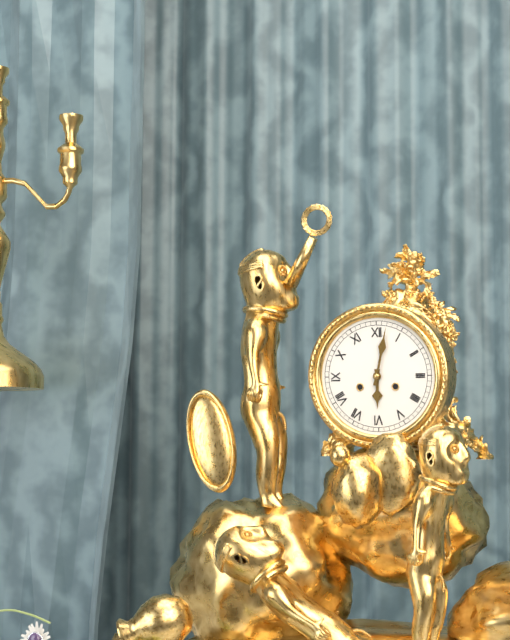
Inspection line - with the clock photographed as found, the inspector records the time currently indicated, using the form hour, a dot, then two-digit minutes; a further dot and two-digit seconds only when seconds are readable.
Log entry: 6.02
